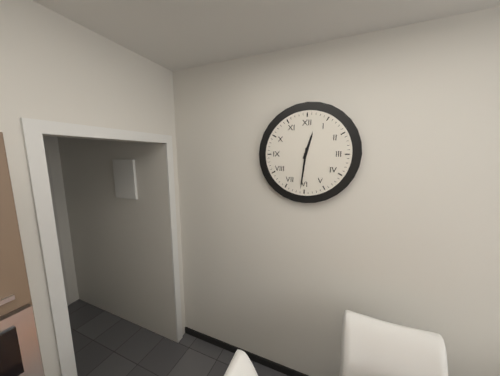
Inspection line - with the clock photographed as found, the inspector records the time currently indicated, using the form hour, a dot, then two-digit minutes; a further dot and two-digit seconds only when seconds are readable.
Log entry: 12.31
